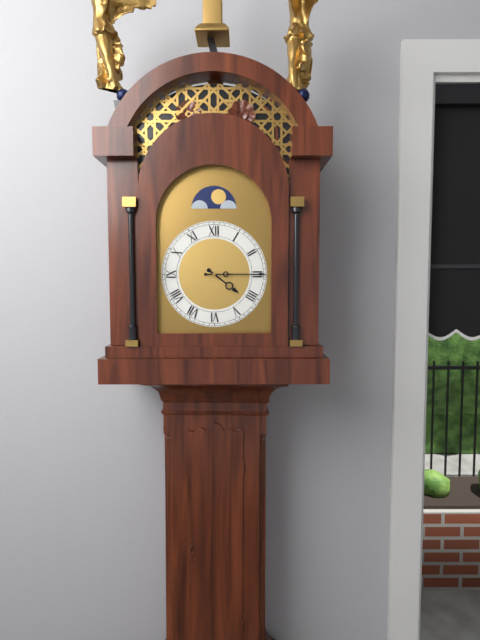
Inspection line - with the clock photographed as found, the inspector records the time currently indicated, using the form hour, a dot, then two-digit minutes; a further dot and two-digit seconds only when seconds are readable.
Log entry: 4.15
